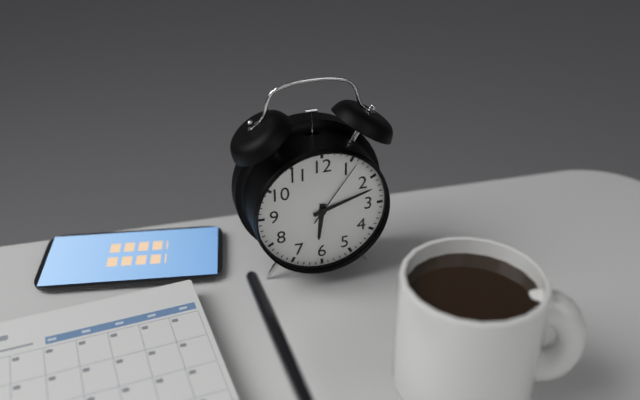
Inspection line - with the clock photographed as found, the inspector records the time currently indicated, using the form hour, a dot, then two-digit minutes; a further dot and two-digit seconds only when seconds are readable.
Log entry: 6.12.06
